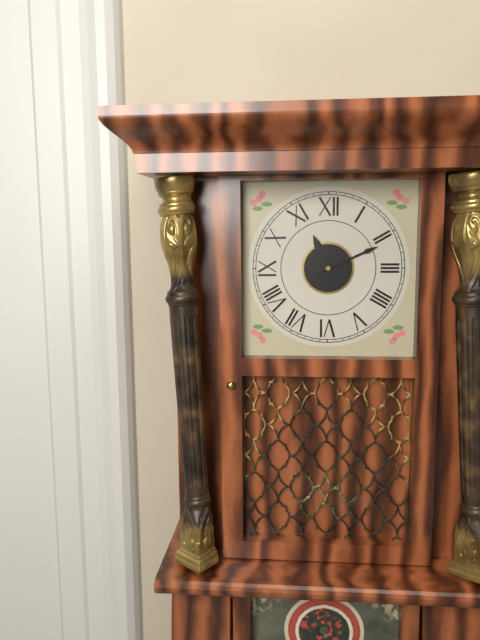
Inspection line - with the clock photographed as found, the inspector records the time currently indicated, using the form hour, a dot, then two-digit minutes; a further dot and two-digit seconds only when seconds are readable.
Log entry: 11.11
